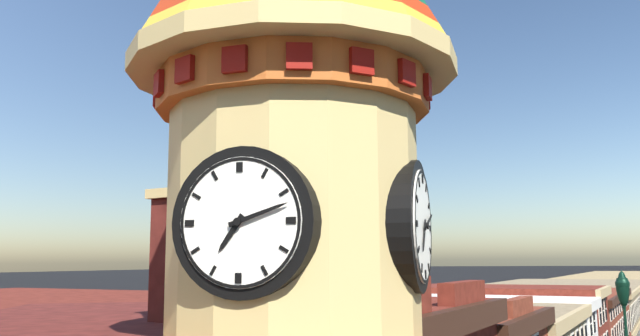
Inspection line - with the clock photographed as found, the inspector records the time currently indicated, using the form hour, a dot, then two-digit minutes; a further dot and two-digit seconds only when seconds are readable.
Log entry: 7.12
